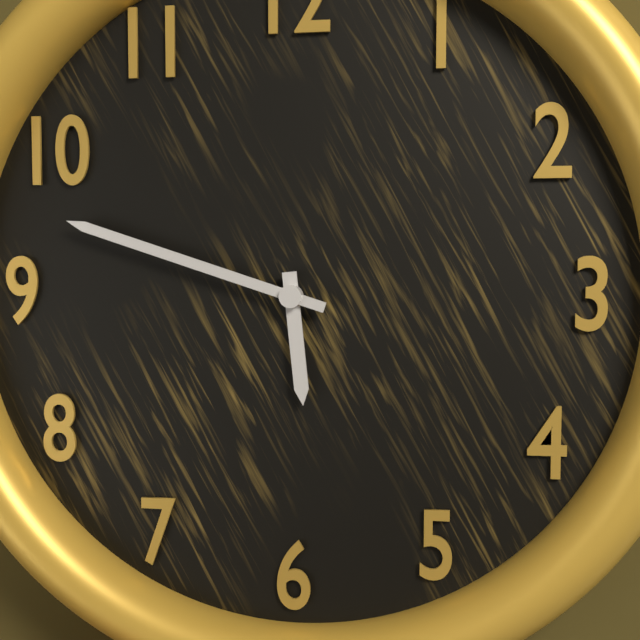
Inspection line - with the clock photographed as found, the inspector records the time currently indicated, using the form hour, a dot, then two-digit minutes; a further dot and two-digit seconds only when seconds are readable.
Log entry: 5.48
